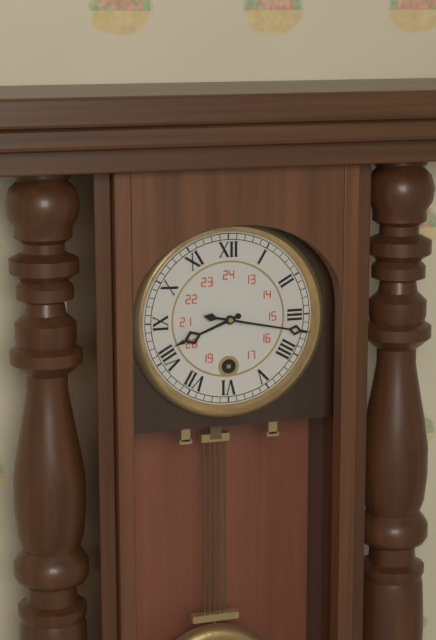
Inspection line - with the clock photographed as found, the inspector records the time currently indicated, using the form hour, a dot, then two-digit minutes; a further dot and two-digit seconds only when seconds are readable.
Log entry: 8.17
